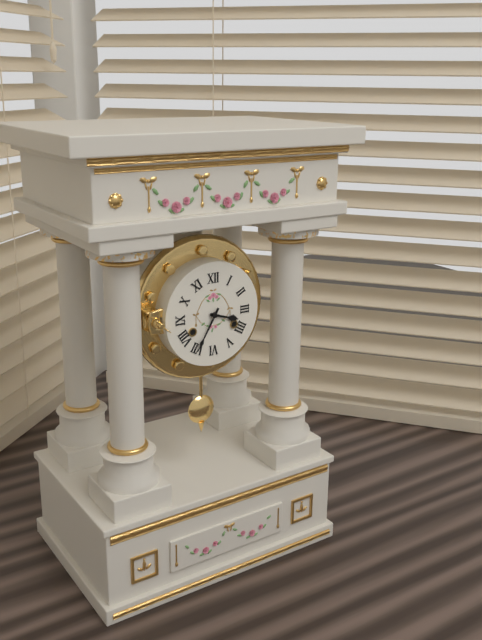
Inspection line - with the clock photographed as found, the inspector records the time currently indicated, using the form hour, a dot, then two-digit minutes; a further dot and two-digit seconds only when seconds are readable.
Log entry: 3.35
